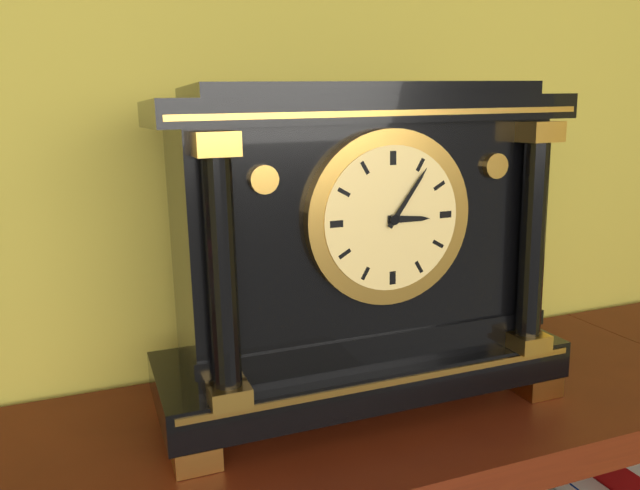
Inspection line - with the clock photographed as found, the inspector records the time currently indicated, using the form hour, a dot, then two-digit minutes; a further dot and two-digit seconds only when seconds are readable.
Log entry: 3.06
